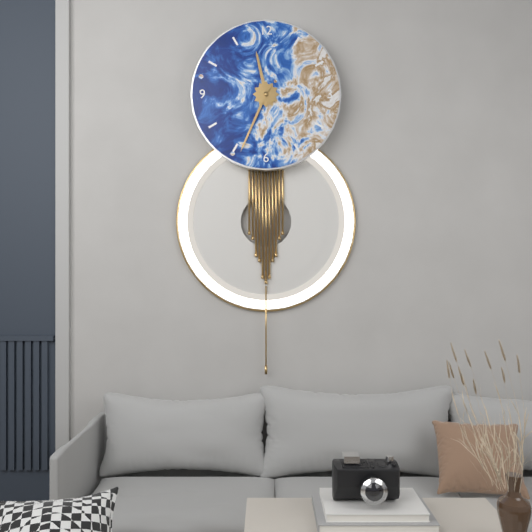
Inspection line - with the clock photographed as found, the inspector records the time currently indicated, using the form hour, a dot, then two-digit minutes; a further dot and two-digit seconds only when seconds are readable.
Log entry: 11.34
